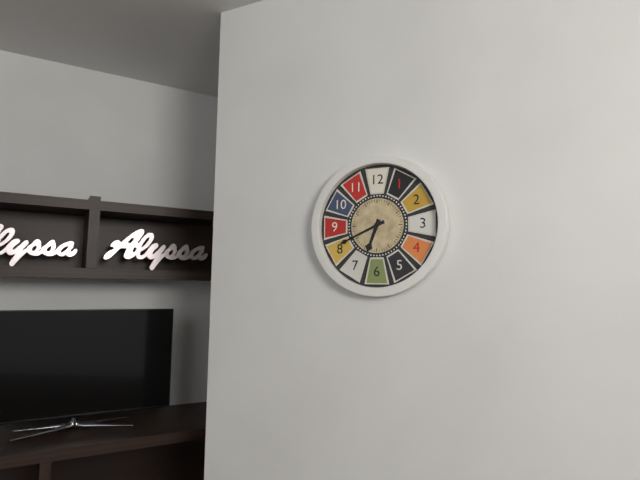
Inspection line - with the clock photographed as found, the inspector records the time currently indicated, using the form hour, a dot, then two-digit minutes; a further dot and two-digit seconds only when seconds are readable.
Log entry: 6.41
